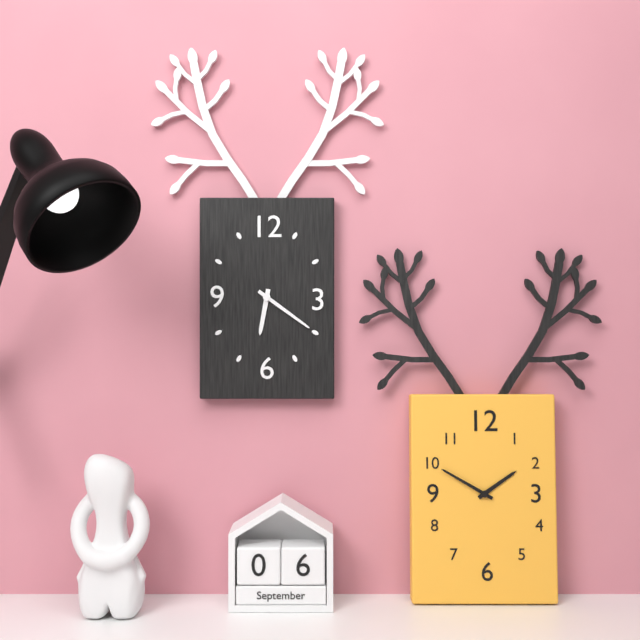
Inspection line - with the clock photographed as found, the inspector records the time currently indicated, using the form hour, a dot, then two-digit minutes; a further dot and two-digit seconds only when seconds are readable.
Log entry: 6.21
